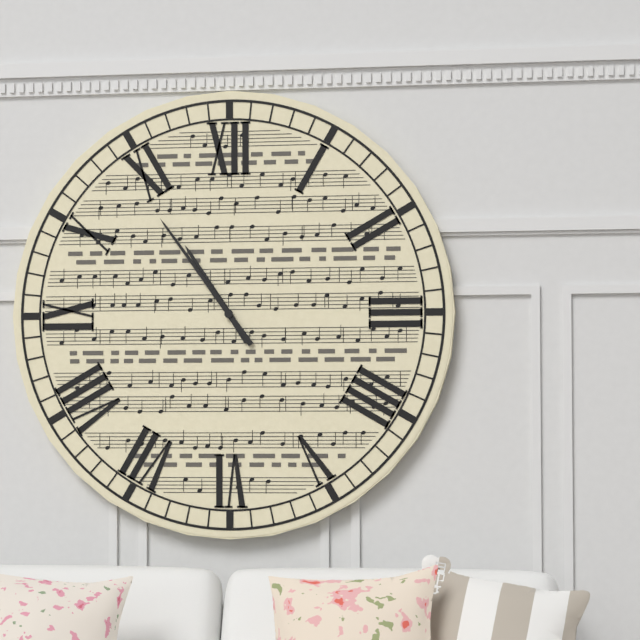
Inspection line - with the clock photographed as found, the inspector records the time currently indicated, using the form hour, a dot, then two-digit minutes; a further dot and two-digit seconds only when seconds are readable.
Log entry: 10.54
